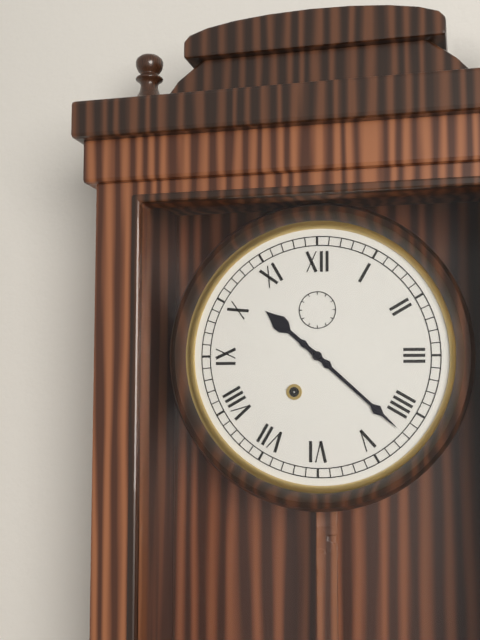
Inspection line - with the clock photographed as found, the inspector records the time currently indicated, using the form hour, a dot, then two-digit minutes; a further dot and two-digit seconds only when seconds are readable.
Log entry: 10.22
